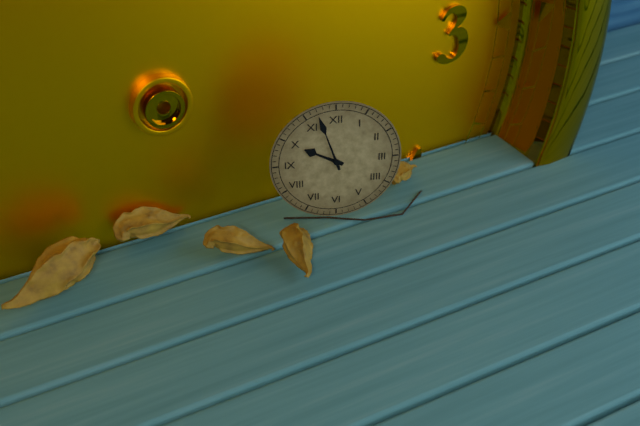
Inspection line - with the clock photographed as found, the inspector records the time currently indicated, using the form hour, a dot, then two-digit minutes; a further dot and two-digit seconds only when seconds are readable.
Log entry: 9.57
